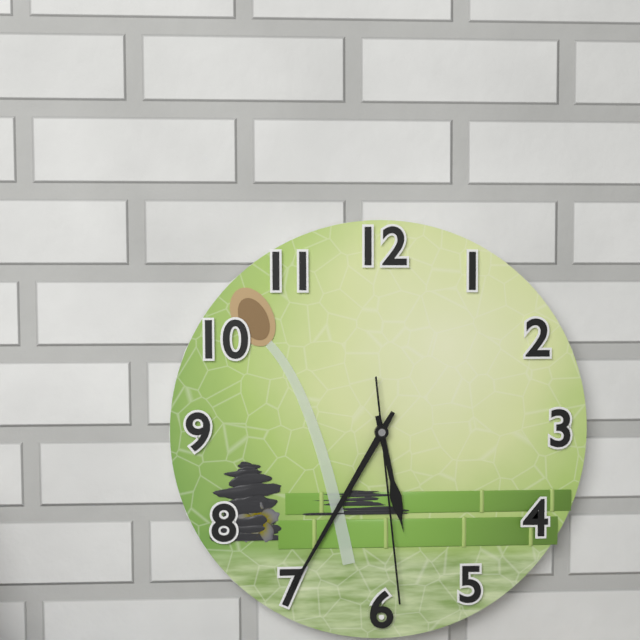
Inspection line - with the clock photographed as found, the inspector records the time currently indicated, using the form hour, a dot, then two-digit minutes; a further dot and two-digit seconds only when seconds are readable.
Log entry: 5.35.29
